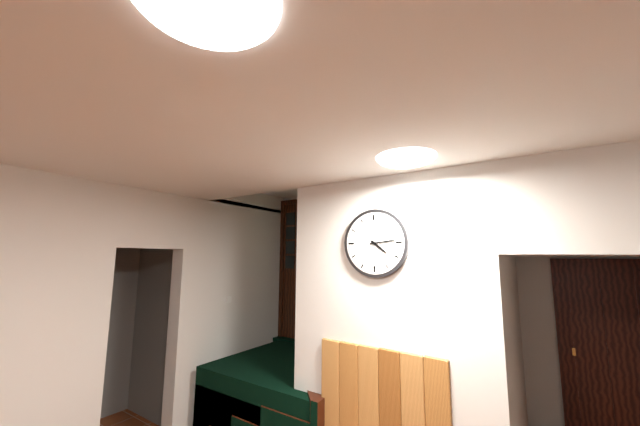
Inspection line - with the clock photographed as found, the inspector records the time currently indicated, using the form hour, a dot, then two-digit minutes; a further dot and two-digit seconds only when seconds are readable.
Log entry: 4.14
